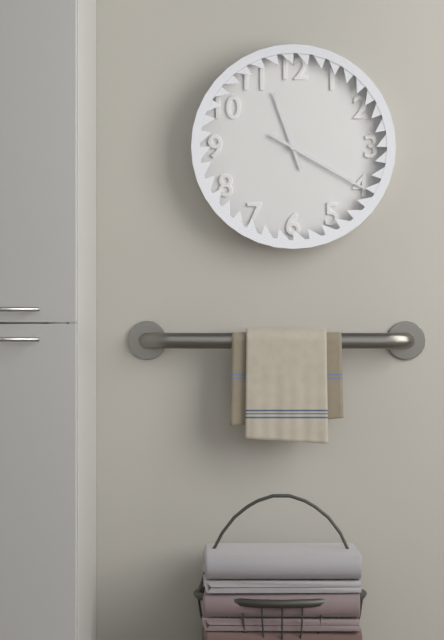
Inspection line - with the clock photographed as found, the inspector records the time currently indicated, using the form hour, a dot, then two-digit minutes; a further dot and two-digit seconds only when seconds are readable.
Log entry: 11.20
